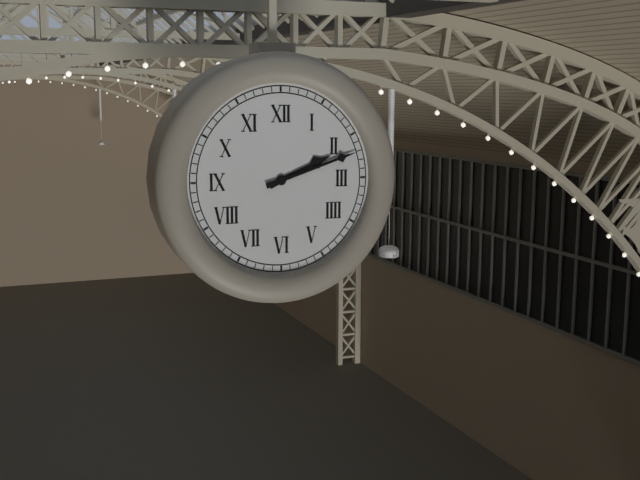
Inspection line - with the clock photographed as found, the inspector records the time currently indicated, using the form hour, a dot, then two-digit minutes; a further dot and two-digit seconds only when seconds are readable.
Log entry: 2.12
